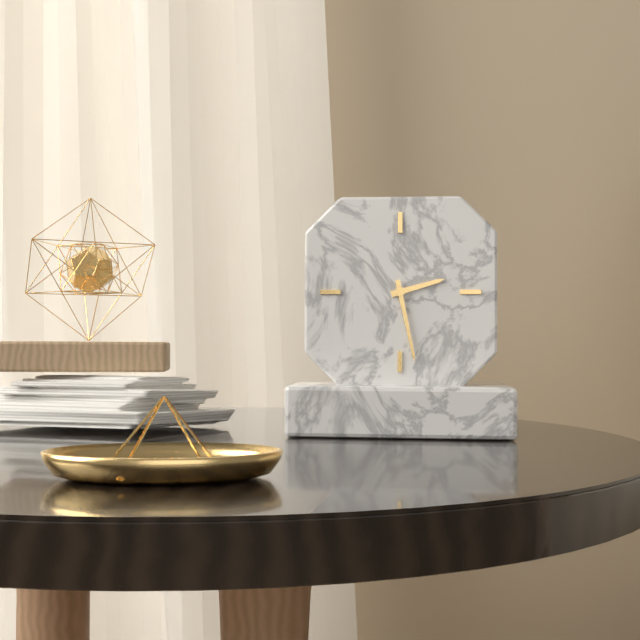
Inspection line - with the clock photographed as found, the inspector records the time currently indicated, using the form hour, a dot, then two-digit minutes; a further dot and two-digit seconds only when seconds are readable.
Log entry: 2.28
